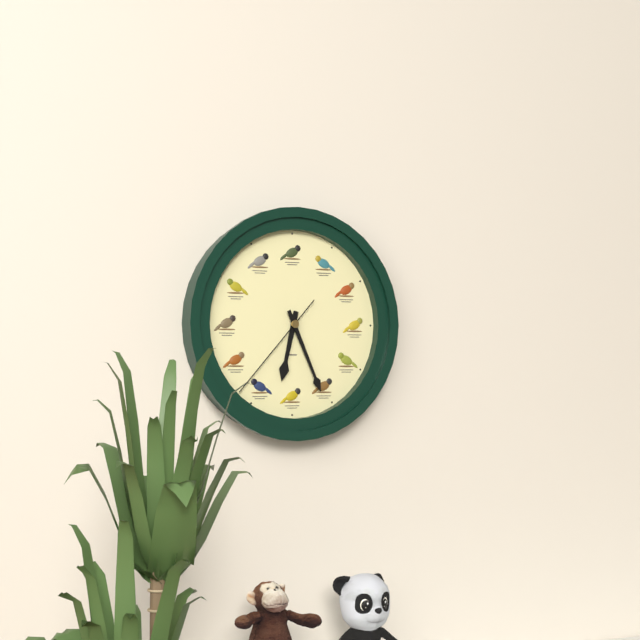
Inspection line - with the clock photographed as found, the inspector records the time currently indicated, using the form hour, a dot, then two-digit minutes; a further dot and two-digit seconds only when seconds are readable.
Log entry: 6.26.37
